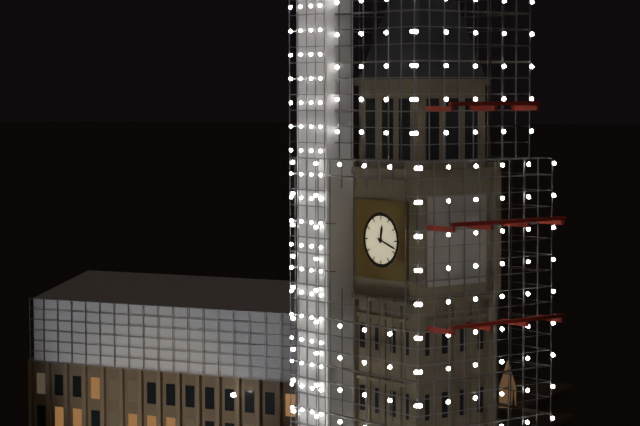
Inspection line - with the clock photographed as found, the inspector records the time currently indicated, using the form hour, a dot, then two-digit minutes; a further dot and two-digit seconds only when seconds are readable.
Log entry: 12.18
